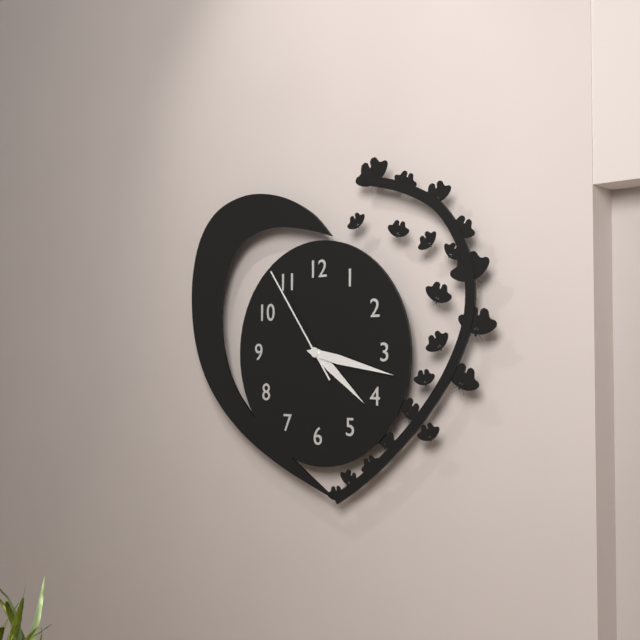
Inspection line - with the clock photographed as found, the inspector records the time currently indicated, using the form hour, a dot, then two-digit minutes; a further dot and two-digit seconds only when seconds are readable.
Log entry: 4.17.54
